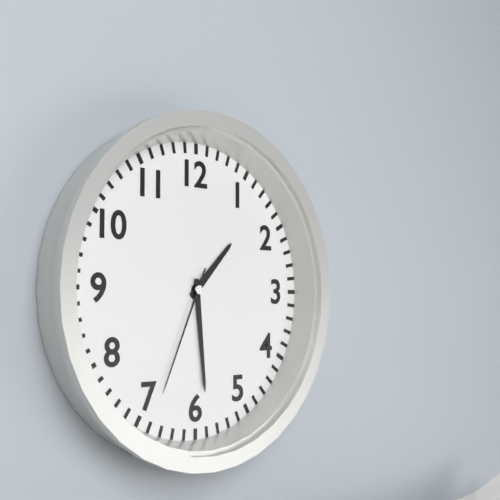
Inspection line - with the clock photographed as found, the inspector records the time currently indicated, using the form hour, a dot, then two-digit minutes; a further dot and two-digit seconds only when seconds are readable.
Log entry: 1.29.34
